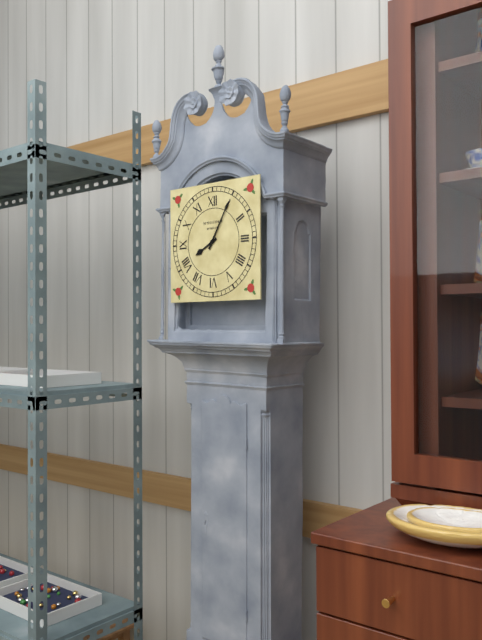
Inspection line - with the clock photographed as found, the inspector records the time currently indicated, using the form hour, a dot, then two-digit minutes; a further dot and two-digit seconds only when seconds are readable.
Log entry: 8.05
